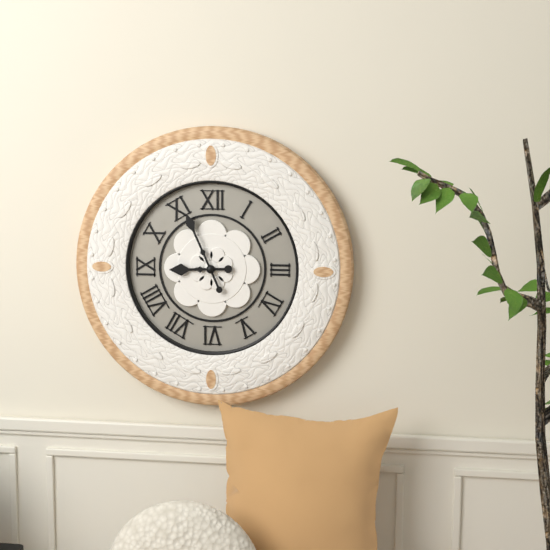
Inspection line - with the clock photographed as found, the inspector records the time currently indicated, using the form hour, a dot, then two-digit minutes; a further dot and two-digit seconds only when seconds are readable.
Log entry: 8.56
